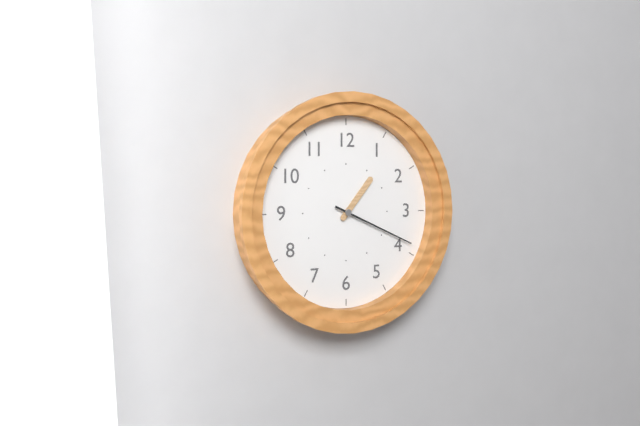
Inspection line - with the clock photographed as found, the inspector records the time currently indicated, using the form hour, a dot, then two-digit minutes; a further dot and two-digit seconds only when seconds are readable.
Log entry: 1.19
